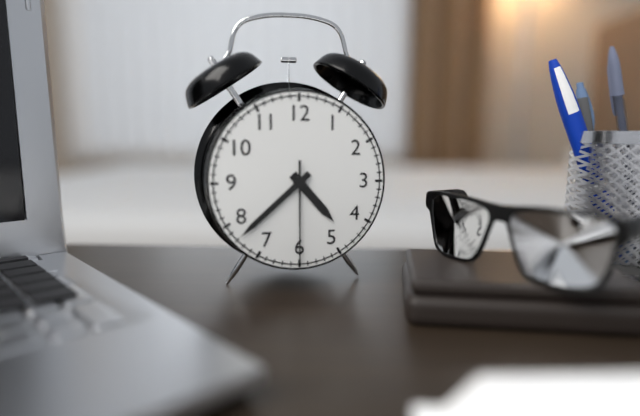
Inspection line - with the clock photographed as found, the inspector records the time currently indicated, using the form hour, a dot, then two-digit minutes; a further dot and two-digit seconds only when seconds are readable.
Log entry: 4.38.30
